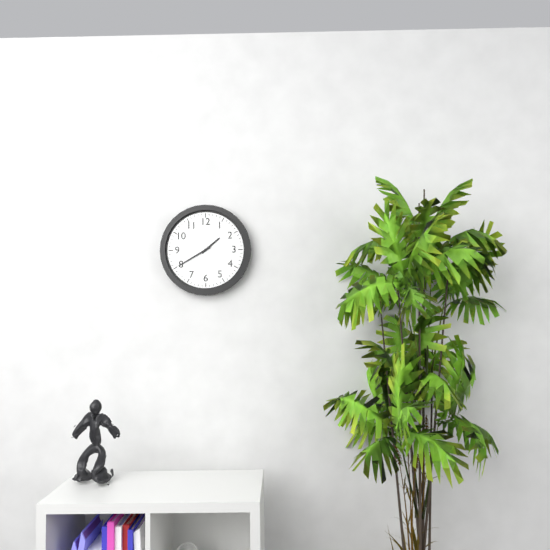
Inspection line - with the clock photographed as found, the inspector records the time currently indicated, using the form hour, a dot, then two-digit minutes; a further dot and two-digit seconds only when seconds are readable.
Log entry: 1.40
